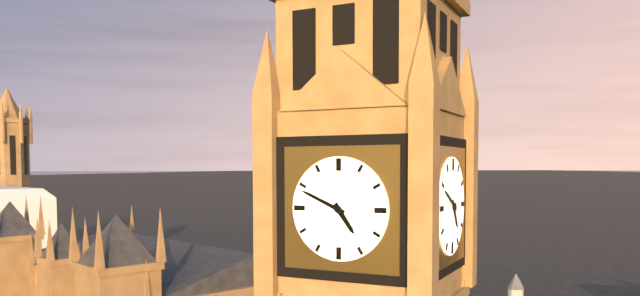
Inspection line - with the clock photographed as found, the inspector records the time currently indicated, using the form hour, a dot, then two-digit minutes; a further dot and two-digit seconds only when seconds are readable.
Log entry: 4.49
